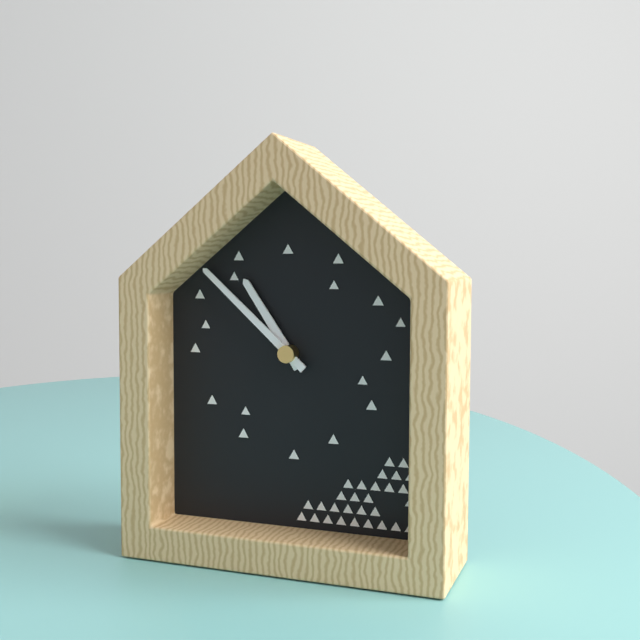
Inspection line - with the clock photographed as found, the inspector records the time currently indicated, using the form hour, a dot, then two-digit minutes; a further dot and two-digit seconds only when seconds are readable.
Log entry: 10.52
